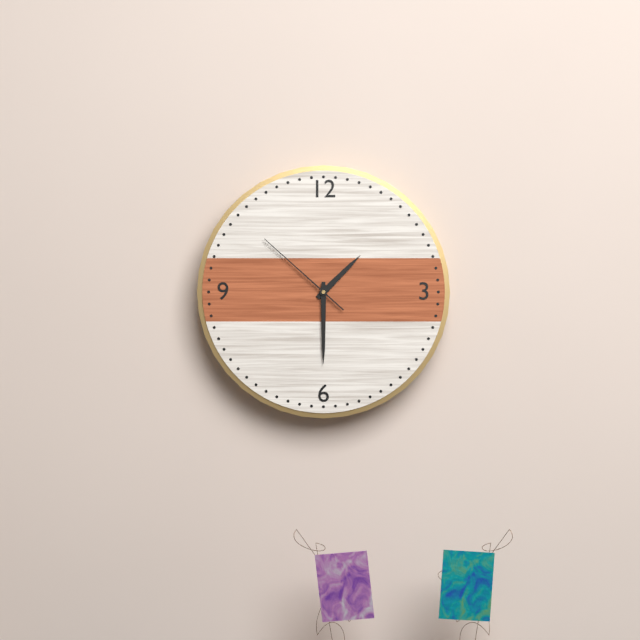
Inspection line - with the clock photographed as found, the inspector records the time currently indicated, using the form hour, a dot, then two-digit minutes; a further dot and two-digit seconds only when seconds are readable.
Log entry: 1.30.52
